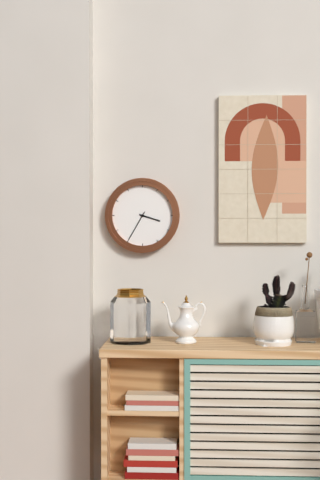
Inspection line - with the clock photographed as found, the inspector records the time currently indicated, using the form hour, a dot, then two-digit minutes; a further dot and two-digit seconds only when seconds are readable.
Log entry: 3.35
